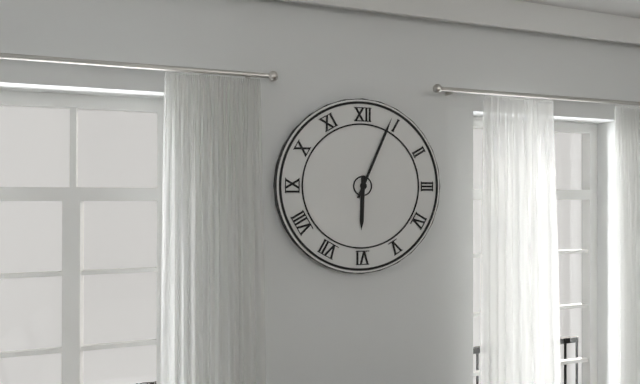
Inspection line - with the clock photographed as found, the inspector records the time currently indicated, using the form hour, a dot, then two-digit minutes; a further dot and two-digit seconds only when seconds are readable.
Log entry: 6.04
